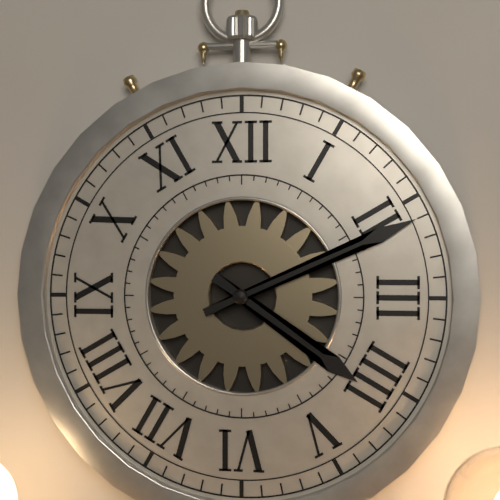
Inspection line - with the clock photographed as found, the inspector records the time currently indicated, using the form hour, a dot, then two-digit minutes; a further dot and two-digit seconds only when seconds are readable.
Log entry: 4.11
